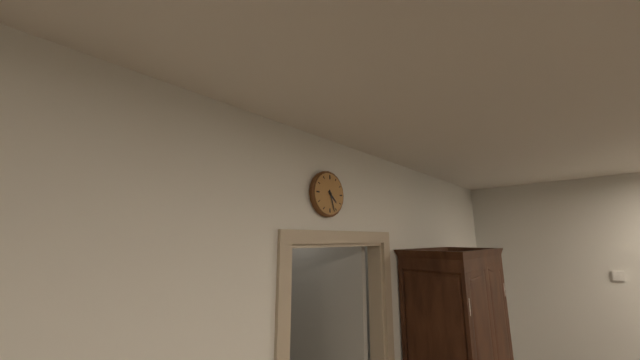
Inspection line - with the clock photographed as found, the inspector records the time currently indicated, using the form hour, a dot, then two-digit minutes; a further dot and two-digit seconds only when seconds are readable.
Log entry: 4.27
